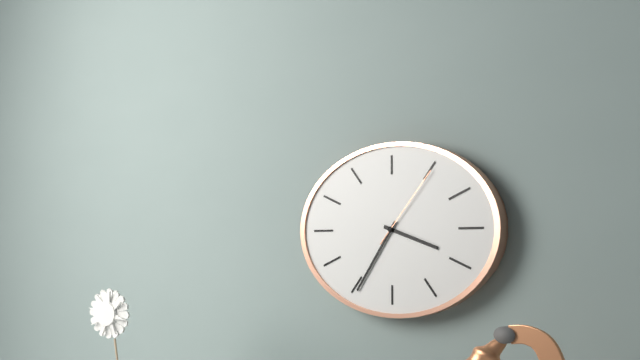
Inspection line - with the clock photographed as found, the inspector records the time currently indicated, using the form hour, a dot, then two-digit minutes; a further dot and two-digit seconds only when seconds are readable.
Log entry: 3.36.07
